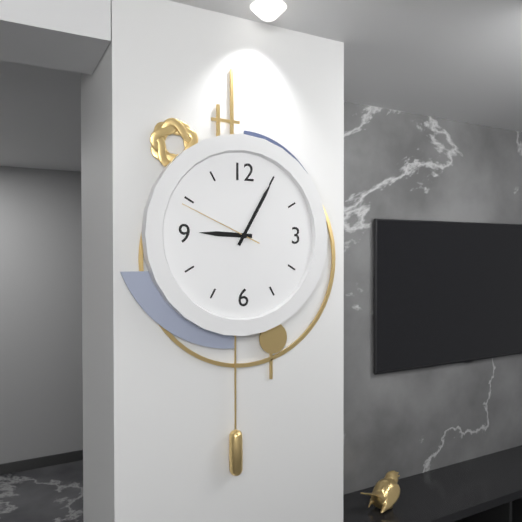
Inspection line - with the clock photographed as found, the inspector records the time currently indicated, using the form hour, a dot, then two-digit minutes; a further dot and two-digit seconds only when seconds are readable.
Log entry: 9.05.49
